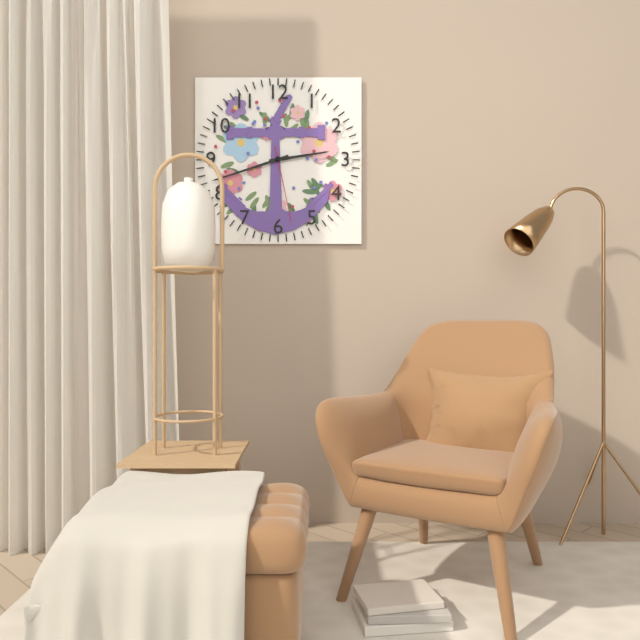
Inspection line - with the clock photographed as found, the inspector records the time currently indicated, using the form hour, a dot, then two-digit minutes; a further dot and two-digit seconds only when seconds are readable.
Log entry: 2.42.28
